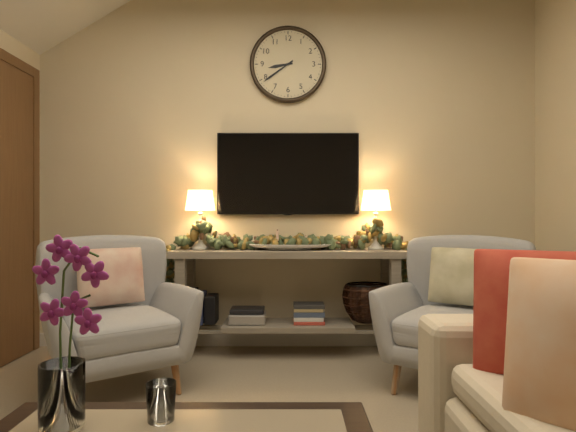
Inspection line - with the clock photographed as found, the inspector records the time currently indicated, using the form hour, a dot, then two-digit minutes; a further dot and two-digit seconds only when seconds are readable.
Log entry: 8.39
